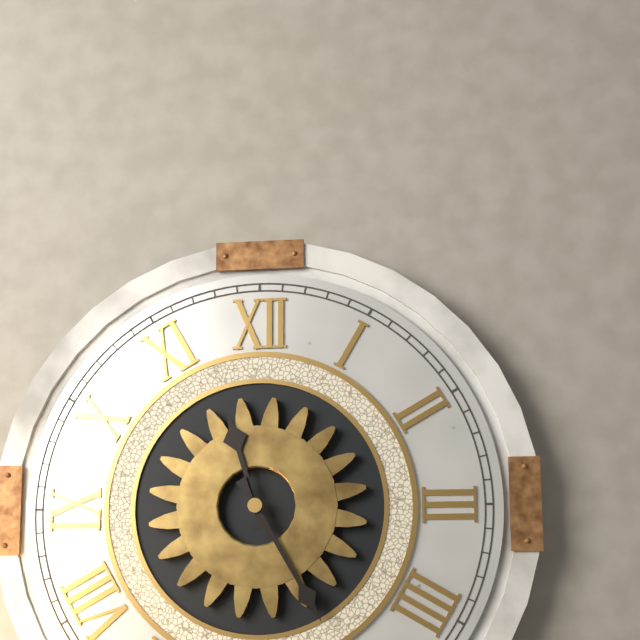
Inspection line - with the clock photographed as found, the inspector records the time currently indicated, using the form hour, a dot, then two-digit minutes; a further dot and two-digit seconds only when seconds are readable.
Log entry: 11.25
